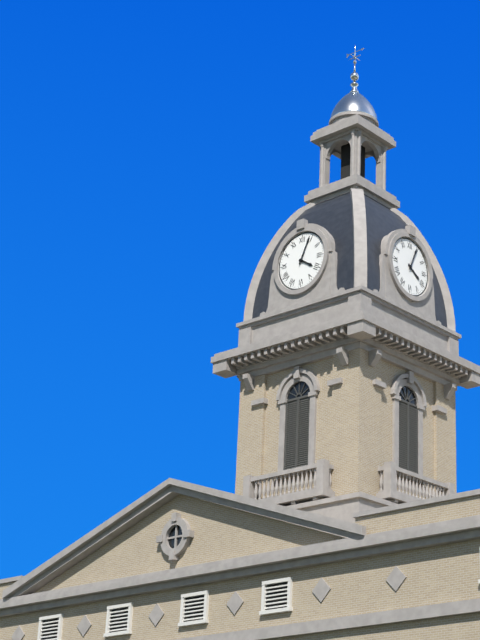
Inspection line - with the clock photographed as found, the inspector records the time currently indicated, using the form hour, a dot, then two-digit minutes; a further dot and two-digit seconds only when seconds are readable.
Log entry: 4.04
